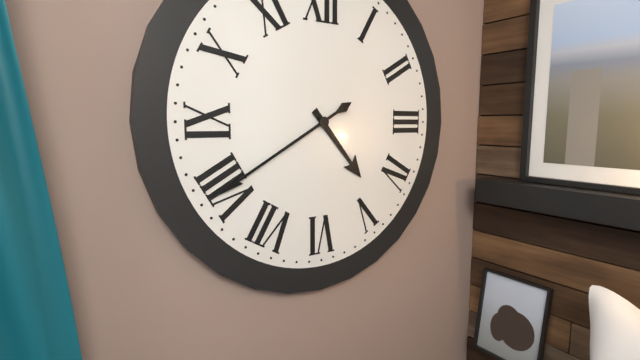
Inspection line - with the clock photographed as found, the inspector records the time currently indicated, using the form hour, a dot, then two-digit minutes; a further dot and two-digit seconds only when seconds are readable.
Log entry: 4.40
